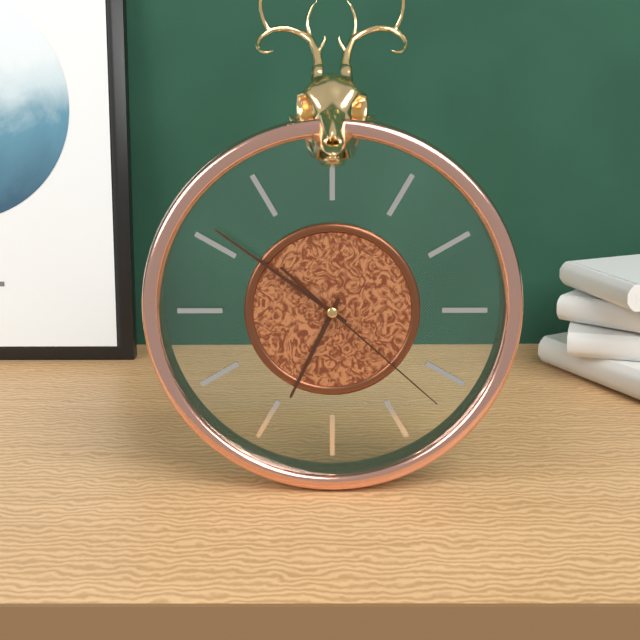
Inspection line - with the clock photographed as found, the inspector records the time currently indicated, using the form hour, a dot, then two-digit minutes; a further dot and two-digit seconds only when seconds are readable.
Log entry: 6.51.22
